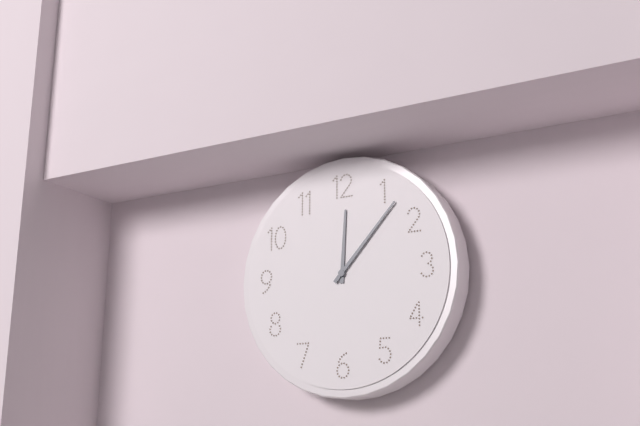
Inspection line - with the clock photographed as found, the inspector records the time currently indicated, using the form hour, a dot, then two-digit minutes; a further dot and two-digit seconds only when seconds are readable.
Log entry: 12.07
